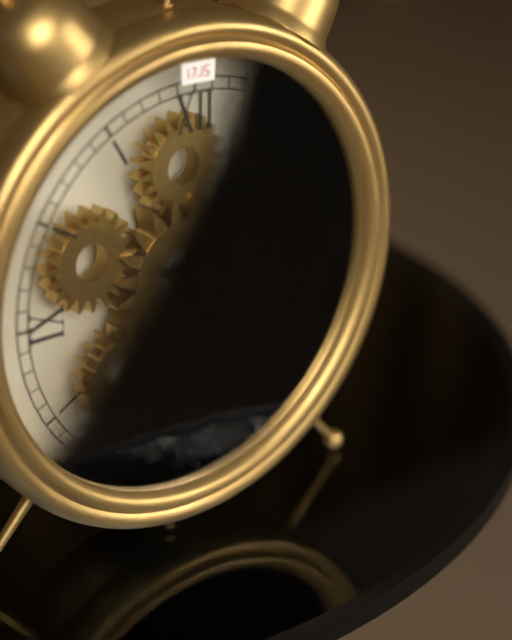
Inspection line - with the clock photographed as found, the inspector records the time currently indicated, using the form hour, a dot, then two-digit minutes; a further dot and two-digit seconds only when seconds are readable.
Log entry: 4.19
